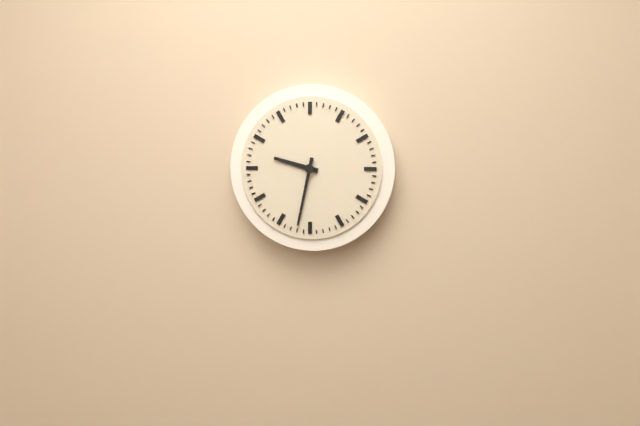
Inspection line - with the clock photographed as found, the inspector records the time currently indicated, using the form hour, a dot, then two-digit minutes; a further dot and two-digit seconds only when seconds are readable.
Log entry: 9.32
